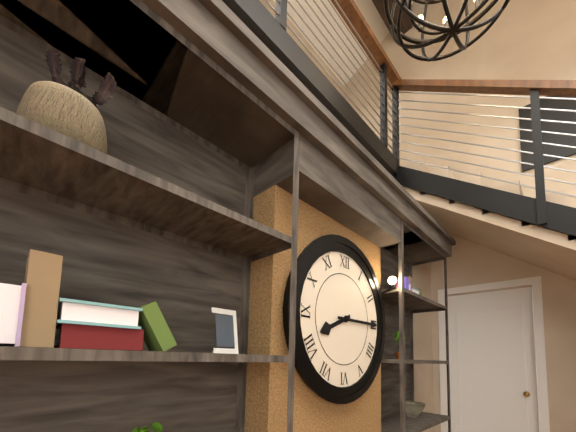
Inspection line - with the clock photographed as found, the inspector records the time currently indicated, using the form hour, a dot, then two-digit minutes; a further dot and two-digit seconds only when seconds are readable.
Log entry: 8.15
